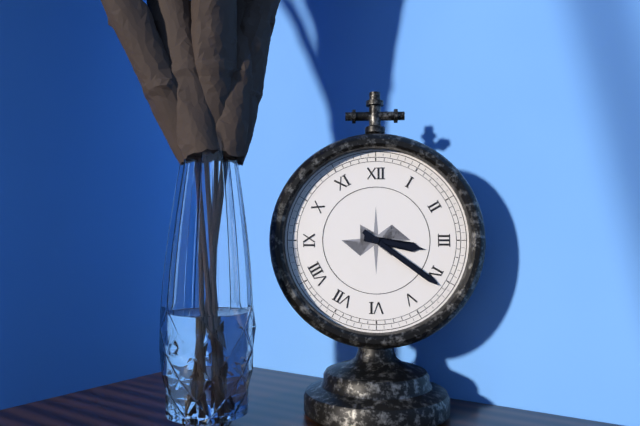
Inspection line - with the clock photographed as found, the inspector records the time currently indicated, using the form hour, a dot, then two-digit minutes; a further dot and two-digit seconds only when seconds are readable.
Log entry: 3.21
